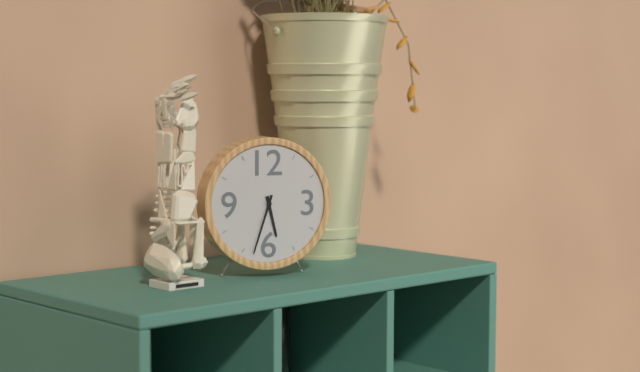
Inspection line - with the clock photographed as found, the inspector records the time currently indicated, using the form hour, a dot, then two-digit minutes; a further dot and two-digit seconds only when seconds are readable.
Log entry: 5.33
